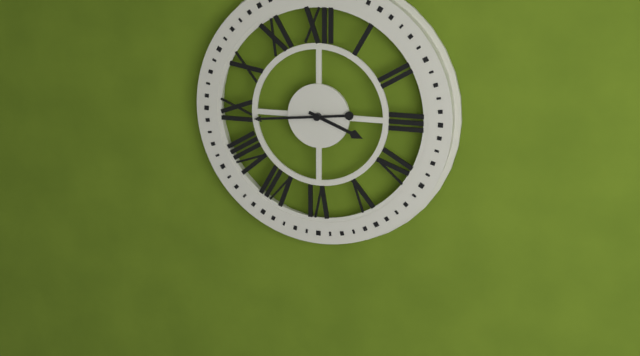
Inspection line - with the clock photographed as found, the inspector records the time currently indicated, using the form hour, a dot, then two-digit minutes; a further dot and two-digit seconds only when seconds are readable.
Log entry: 3.44
